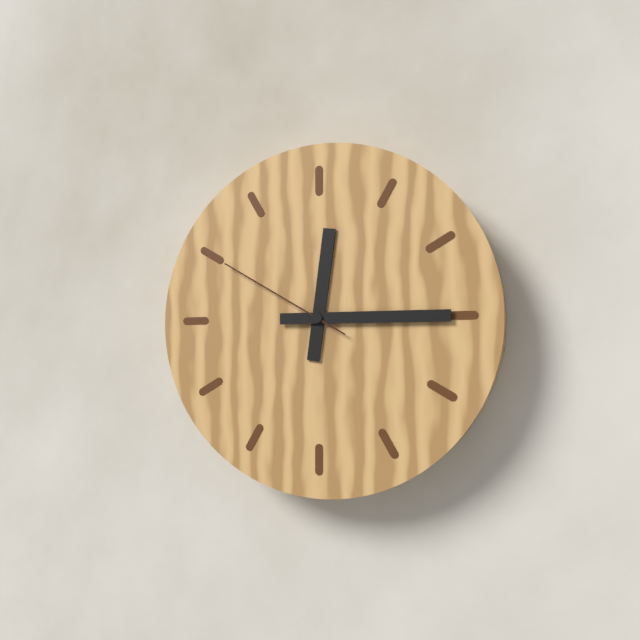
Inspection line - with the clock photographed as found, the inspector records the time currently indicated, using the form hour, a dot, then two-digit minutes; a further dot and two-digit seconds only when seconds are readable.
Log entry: 12.15.50
